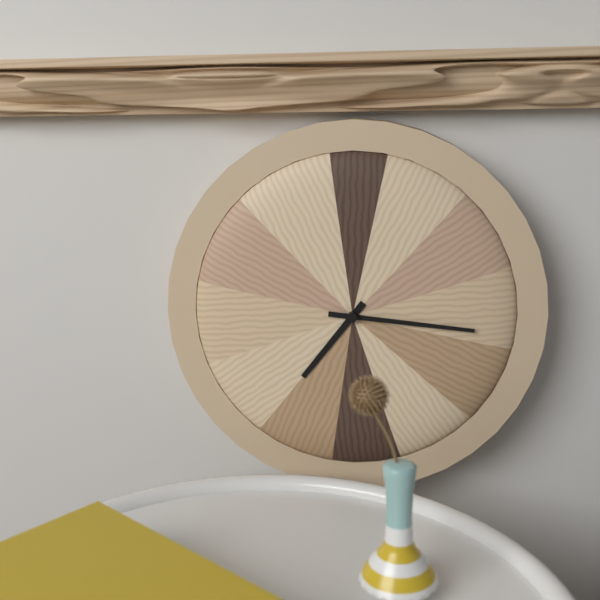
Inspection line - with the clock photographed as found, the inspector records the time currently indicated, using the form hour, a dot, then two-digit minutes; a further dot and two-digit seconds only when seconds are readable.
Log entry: 7.16
